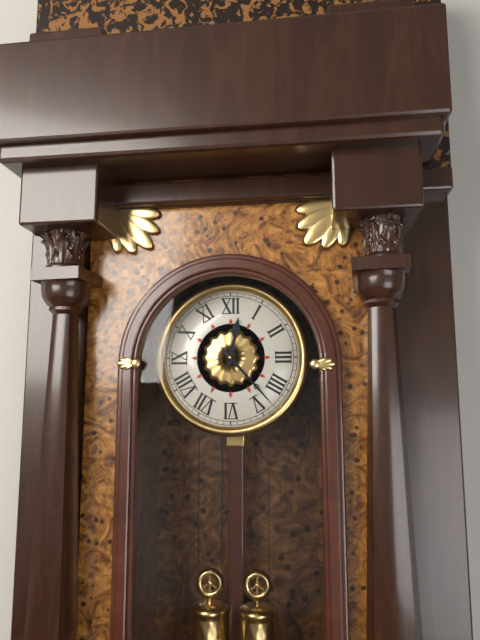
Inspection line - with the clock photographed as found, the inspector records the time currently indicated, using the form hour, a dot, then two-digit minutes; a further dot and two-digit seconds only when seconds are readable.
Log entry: 12.23
